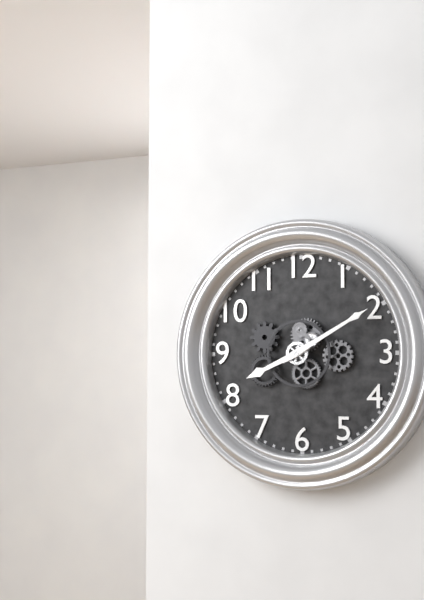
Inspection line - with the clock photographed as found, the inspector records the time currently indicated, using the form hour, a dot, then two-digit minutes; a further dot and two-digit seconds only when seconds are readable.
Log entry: 8.10
